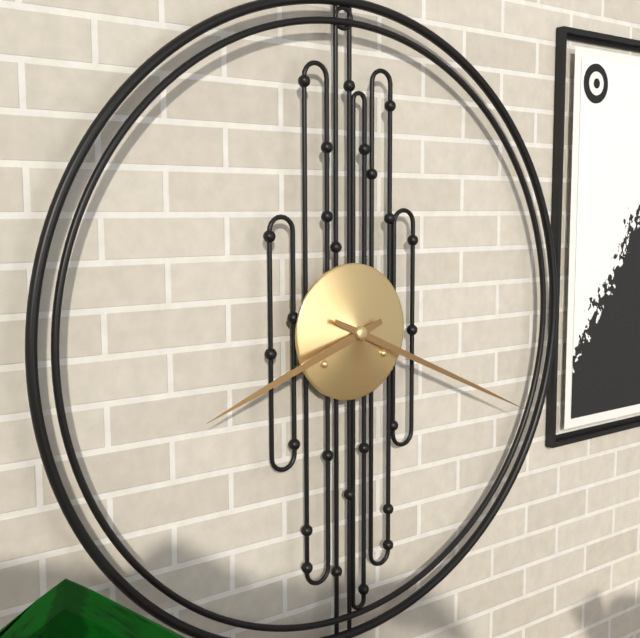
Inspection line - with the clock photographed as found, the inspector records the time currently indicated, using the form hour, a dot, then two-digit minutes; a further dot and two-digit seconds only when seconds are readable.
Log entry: 8.19
